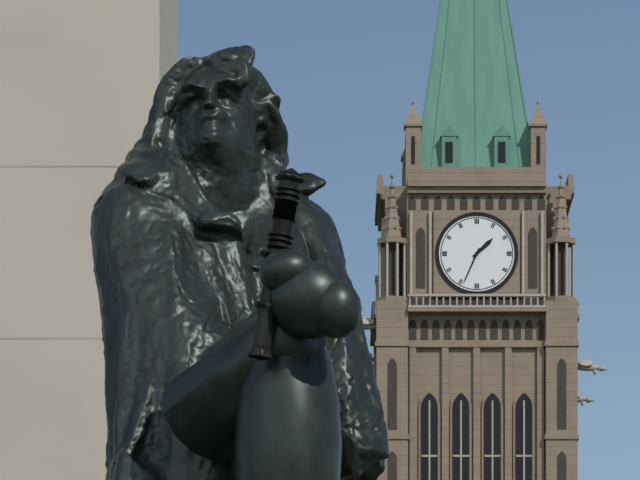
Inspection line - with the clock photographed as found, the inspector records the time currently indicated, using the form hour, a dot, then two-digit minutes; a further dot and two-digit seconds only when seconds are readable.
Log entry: 1.34
